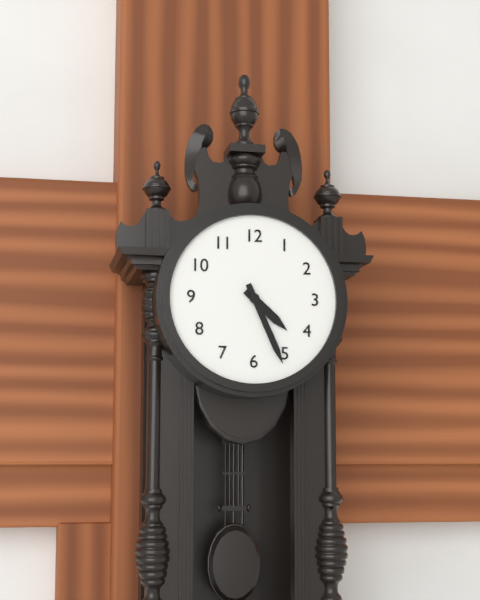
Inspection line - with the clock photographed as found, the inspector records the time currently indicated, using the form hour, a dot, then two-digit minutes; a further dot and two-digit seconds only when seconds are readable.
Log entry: 4.26
